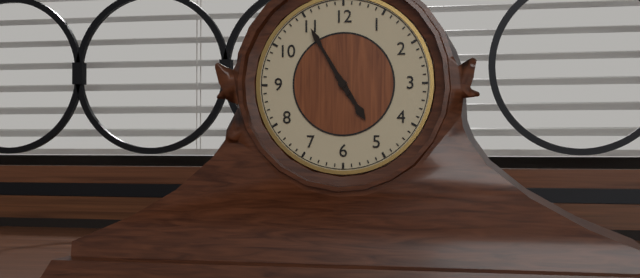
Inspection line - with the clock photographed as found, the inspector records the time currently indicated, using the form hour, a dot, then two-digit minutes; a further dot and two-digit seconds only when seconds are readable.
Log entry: 4.55
